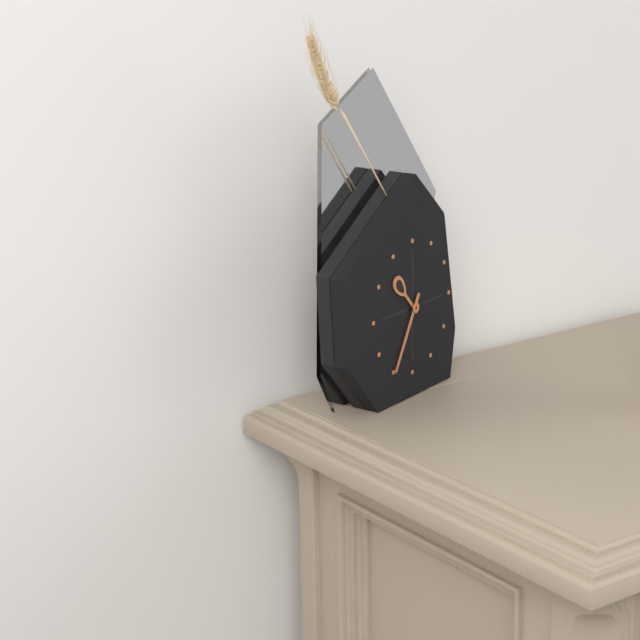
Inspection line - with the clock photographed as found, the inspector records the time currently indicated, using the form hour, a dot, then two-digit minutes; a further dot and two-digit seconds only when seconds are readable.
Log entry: 10.35
